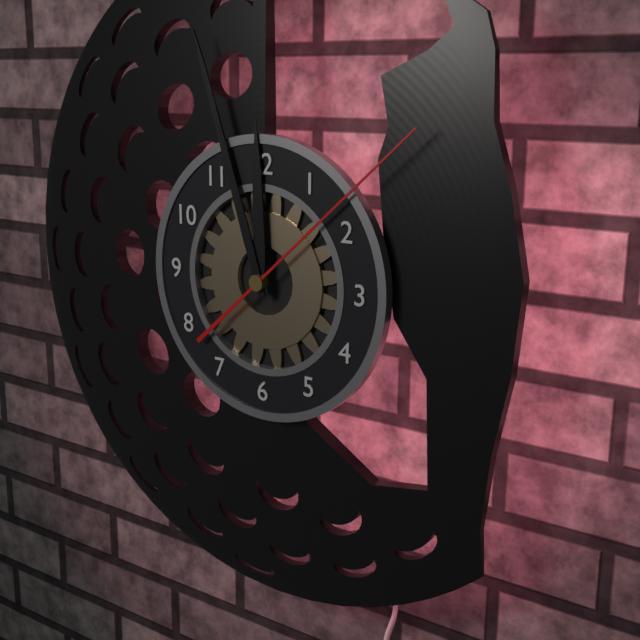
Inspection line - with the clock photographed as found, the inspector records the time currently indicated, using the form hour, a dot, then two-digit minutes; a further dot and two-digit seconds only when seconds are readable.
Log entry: 11.57.08
